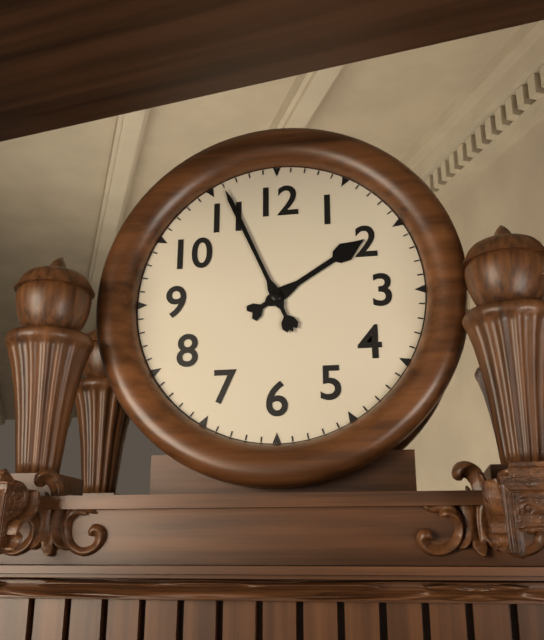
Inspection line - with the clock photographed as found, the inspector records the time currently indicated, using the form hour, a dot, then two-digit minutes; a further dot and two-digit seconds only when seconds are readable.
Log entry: 1.56
